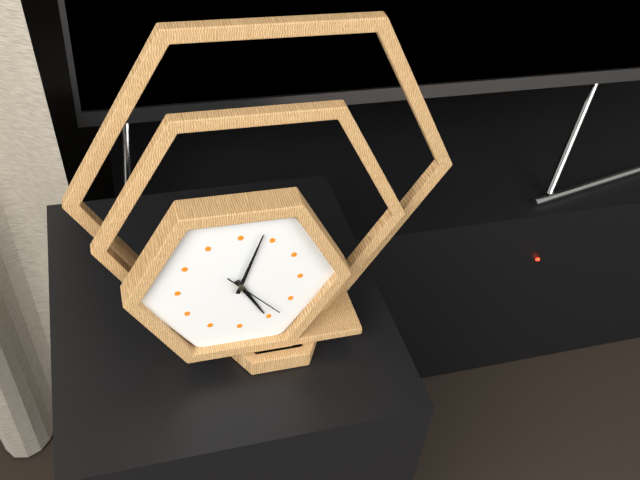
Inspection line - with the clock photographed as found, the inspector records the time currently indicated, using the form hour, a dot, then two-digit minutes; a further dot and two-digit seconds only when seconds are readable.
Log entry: 5.03.23
